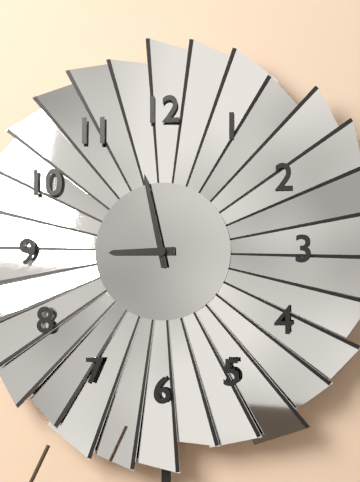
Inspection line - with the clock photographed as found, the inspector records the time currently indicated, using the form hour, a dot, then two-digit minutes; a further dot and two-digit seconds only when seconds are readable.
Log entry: 8.58
